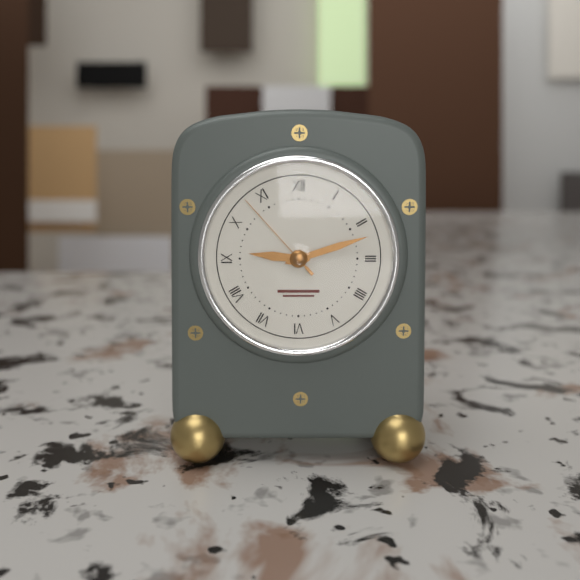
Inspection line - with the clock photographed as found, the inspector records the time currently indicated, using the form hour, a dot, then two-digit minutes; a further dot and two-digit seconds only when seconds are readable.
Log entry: 9.12.53
